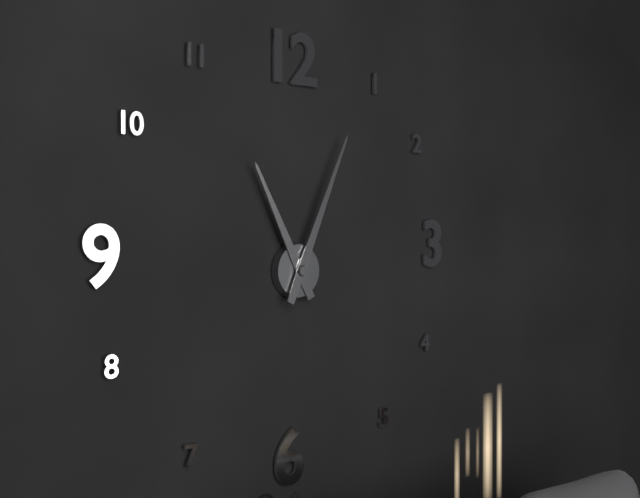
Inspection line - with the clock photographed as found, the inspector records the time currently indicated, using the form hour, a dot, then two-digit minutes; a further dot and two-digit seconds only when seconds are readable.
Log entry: 11.04
